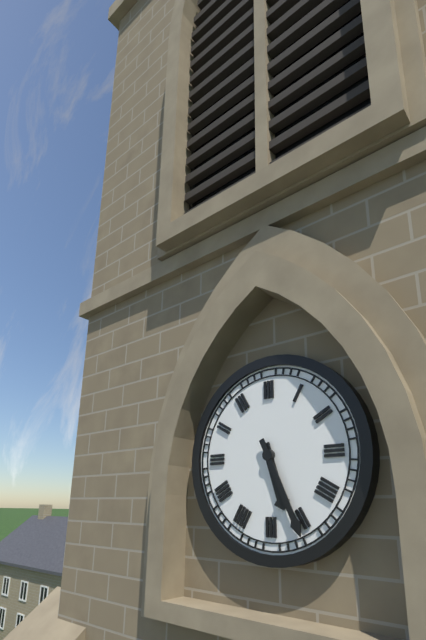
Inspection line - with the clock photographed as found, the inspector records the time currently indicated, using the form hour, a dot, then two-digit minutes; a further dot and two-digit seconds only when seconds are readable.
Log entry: 5.26
